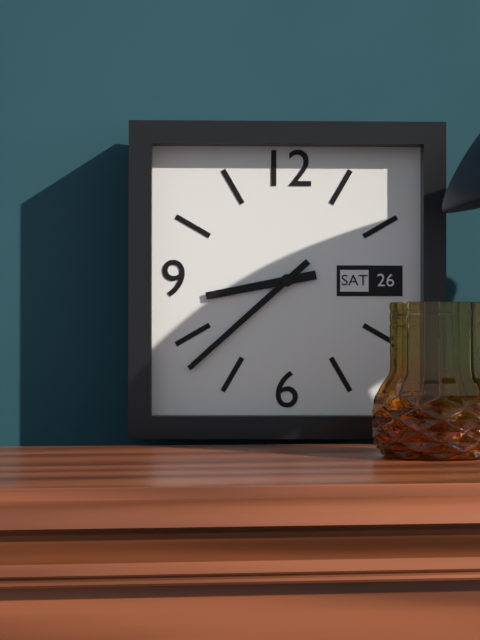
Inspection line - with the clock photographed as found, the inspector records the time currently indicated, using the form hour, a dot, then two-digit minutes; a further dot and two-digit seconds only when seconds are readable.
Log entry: 8.38
